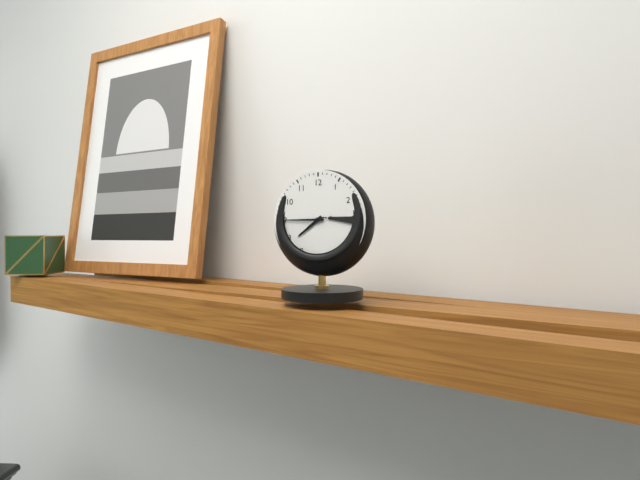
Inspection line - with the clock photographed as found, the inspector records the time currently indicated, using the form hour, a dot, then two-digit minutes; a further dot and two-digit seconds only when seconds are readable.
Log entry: 7.45
